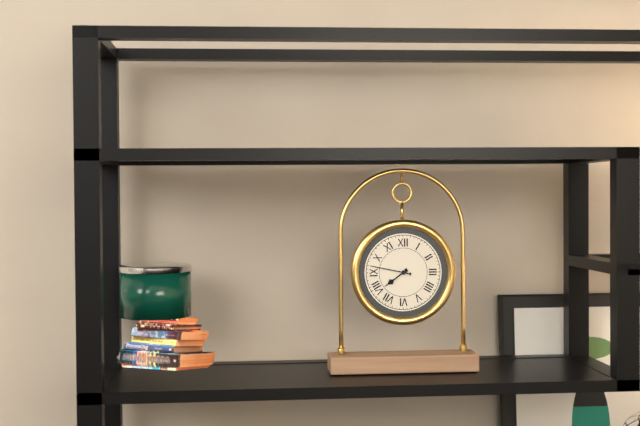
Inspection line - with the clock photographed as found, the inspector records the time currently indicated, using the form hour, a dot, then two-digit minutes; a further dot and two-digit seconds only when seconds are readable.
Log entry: 7.47
